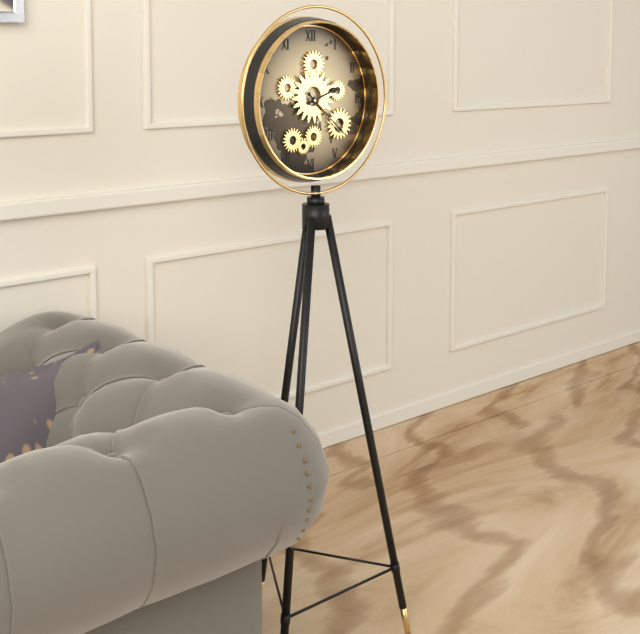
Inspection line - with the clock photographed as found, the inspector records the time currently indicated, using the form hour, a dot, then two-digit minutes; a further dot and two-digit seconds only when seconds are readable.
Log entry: 2.22
